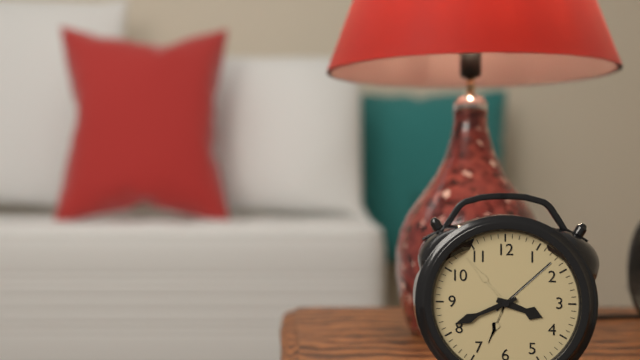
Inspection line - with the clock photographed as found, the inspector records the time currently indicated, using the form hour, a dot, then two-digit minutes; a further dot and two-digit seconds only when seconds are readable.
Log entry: 3.41
